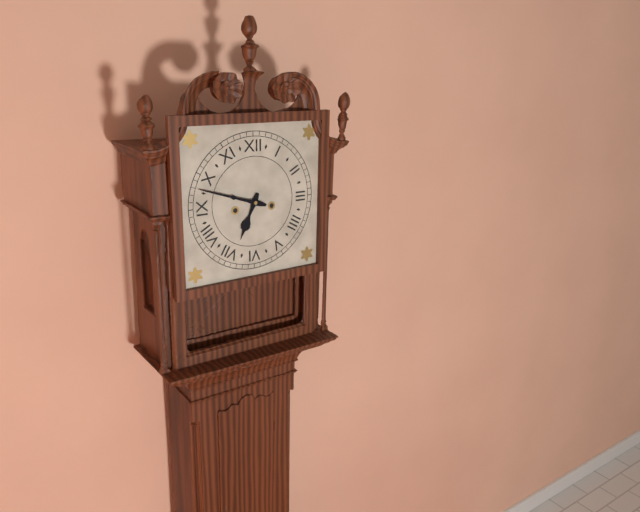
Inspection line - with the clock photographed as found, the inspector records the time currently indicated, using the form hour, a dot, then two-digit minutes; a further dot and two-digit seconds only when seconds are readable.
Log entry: 6.48
